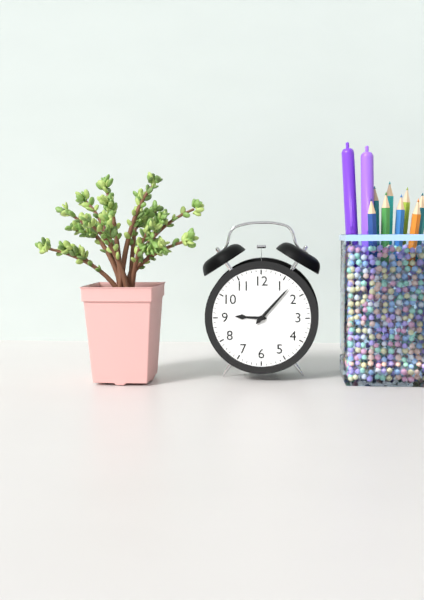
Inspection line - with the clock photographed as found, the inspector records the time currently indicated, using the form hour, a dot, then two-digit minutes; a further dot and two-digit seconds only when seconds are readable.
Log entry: 9.07
